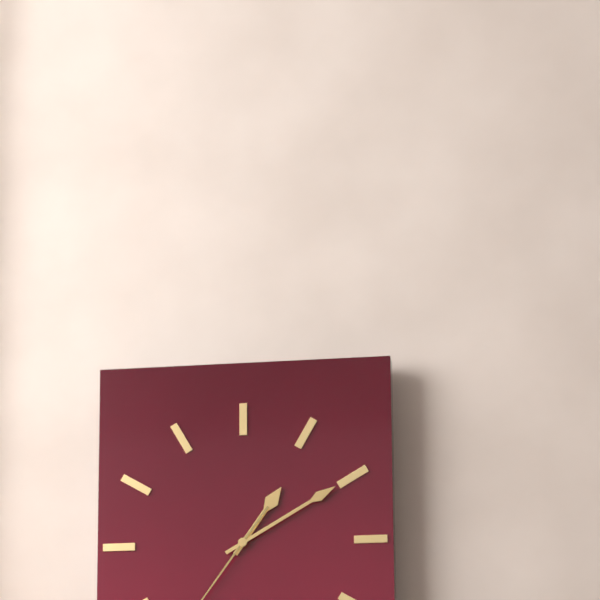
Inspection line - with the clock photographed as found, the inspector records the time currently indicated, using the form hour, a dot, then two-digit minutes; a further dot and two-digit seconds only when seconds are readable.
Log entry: 1.10
